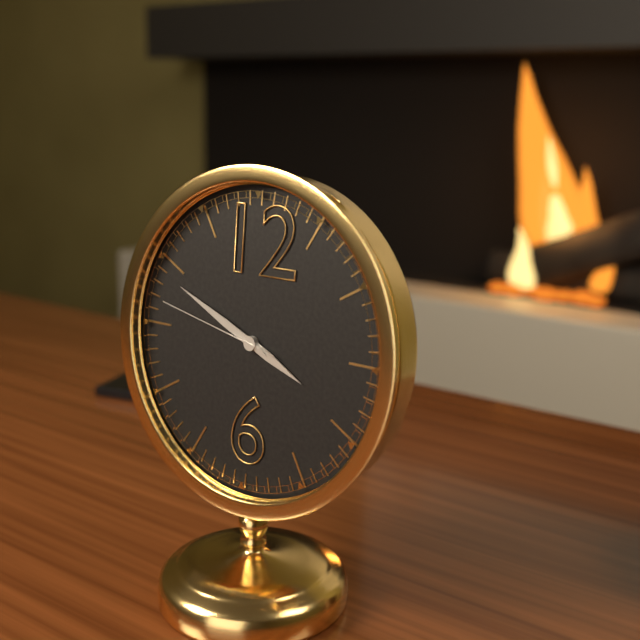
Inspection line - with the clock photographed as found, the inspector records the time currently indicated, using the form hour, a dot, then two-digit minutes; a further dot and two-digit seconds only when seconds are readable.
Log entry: 3.49.47
